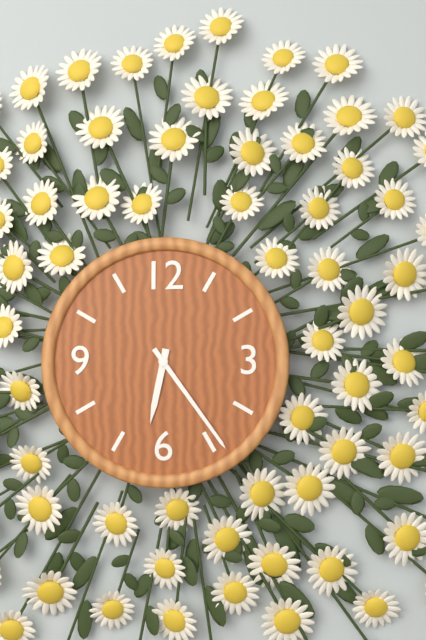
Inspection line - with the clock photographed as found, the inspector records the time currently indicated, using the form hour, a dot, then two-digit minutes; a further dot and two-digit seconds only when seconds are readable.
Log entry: 6.24
